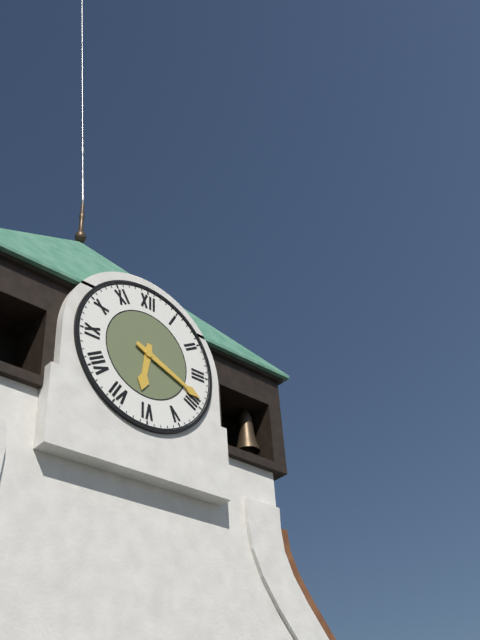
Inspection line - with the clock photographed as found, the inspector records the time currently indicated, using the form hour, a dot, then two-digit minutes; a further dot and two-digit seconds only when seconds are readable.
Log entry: 6.19
